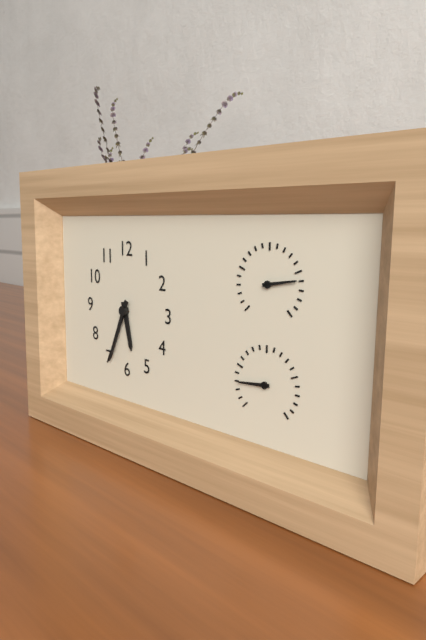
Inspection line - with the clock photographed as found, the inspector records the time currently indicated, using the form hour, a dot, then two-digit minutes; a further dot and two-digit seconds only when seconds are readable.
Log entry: 5.34
